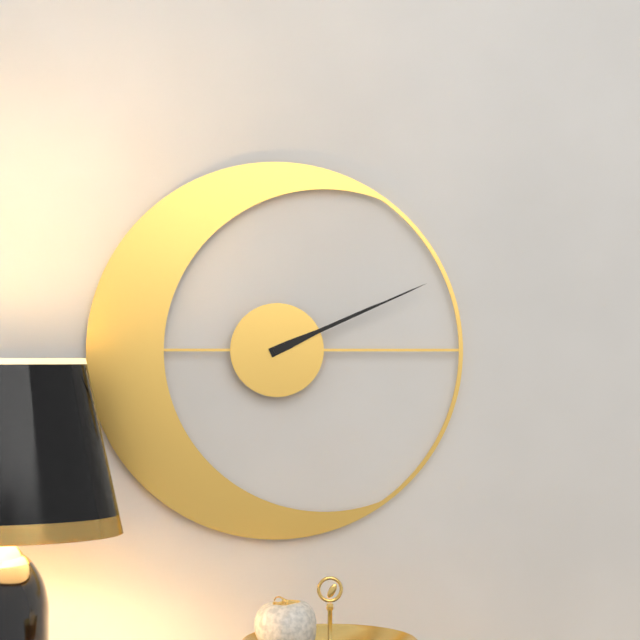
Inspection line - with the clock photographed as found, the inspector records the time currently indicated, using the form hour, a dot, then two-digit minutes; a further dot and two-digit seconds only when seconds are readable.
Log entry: 2.11
